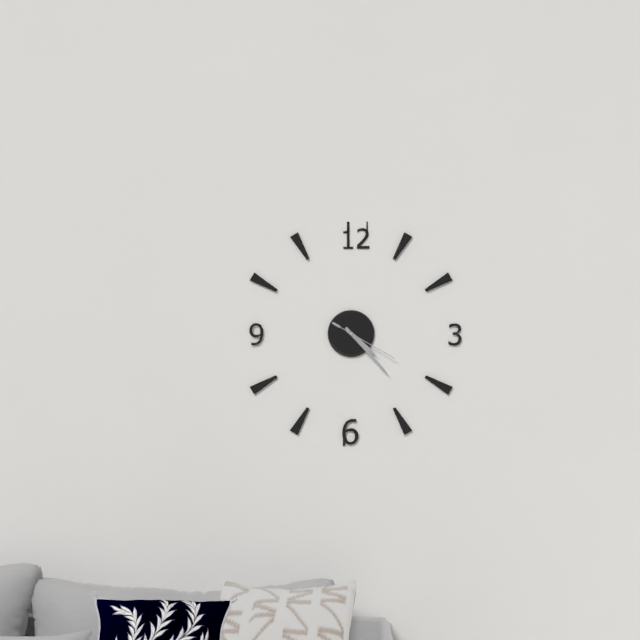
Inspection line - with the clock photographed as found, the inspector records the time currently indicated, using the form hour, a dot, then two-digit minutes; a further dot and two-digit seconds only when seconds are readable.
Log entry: 4.23.20
